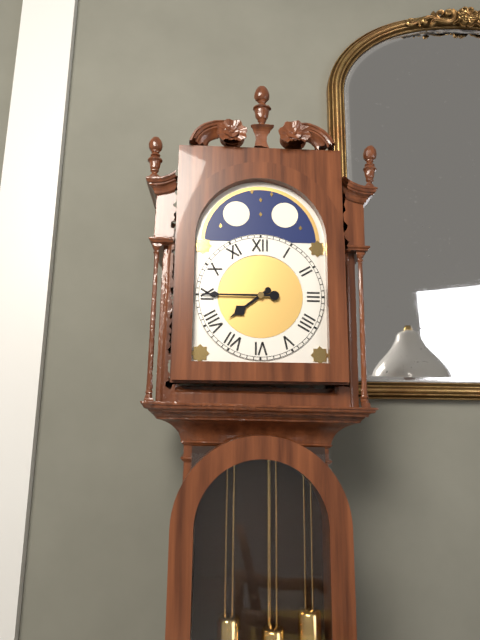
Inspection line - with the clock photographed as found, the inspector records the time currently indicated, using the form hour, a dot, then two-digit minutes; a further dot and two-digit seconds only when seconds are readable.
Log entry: 7.45
